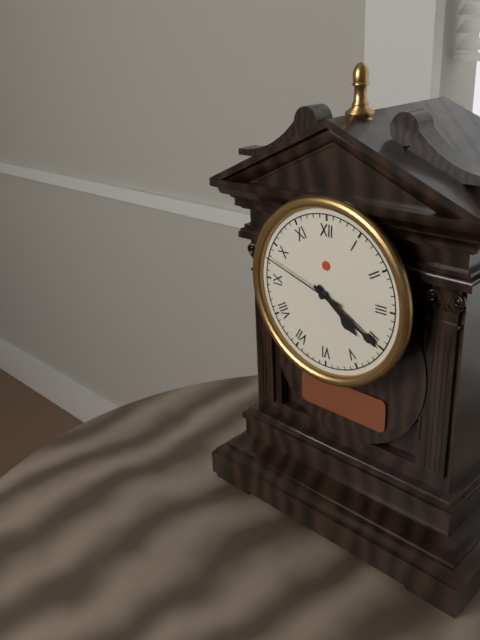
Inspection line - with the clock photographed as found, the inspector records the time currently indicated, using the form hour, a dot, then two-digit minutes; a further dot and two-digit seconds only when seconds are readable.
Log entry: 4.20.48
